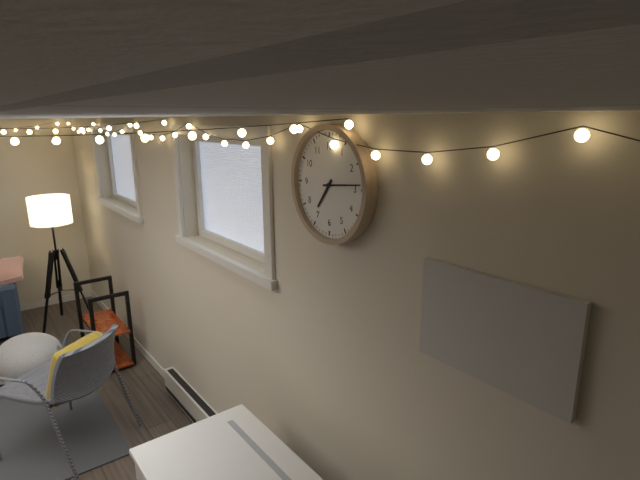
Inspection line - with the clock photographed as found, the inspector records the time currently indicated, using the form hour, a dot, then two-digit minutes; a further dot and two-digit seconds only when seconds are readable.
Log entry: 7.14
